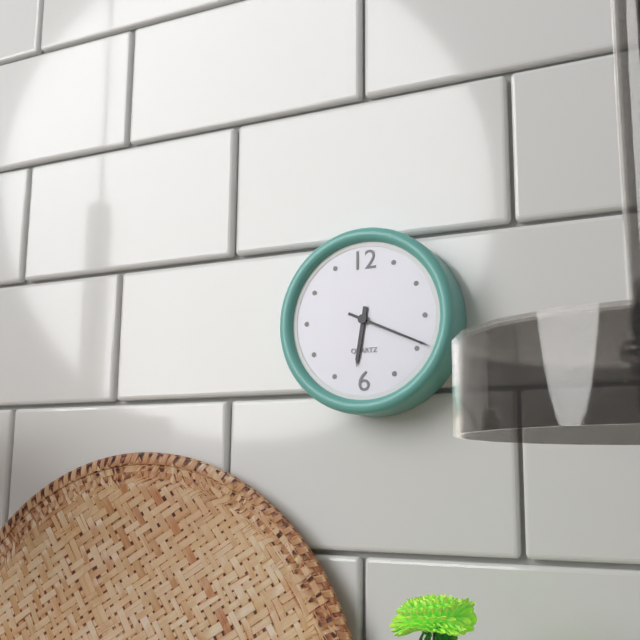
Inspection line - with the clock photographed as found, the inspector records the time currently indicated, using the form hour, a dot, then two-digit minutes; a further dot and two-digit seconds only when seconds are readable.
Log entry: 6.19
